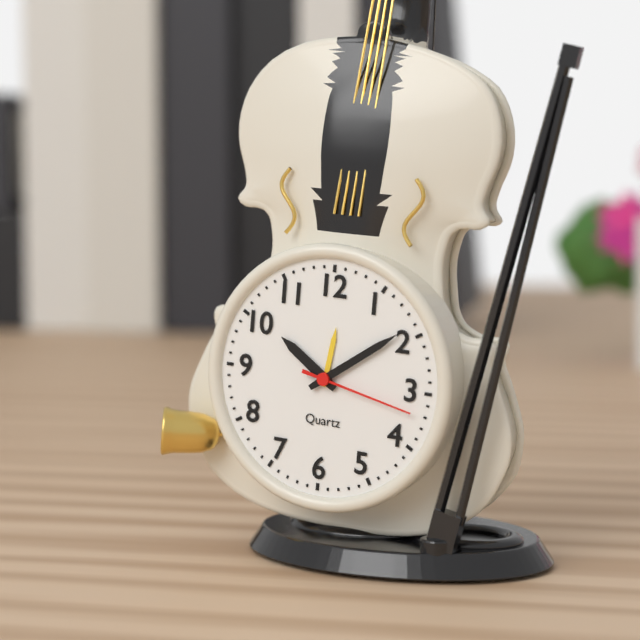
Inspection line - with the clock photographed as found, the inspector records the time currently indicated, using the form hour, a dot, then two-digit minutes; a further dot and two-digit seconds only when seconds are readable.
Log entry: 10.09.17
